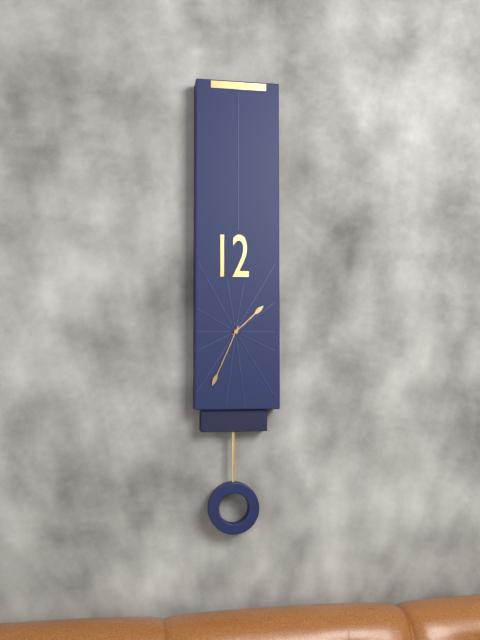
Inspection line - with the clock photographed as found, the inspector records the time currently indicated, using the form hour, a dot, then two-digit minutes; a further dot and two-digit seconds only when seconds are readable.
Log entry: 1.34
